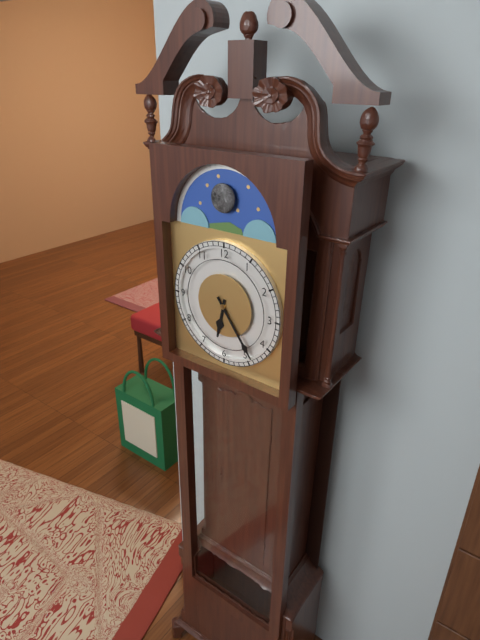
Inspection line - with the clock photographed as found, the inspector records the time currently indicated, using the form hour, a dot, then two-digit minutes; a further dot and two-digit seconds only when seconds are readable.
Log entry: 6.24
